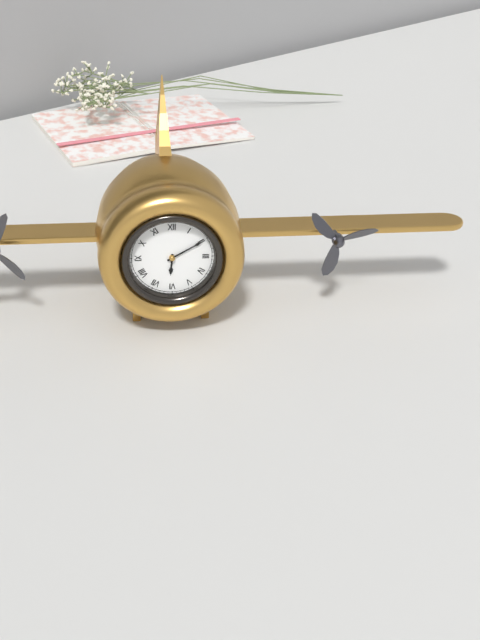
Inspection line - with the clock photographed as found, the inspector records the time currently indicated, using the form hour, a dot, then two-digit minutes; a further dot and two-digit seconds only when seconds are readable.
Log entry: 6.10
